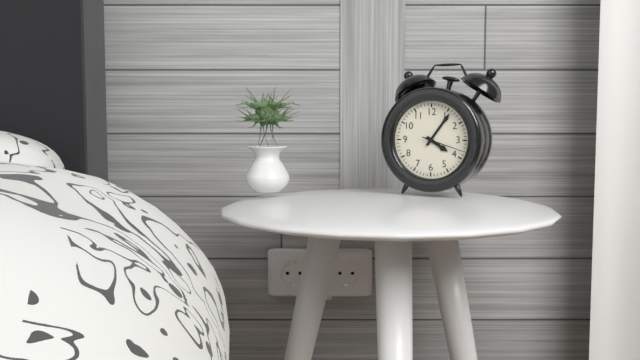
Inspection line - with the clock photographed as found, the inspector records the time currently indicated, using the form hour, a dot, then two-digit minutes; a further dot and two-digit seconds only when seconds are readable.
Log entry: 4.06
